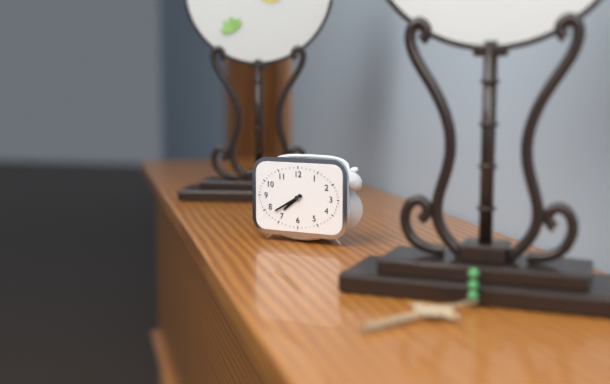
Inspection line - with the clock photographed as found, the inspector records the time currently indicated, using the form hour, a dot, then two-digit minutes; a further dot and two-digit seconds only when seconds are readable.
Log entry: 7.40
